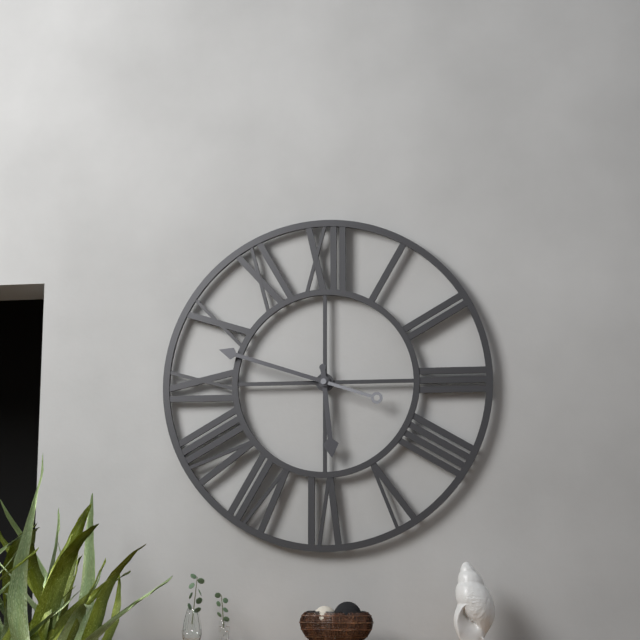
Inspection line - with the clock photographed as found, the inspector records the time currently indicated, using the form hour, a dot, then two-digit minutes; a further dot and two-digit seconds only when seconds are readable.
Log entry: 5.48
